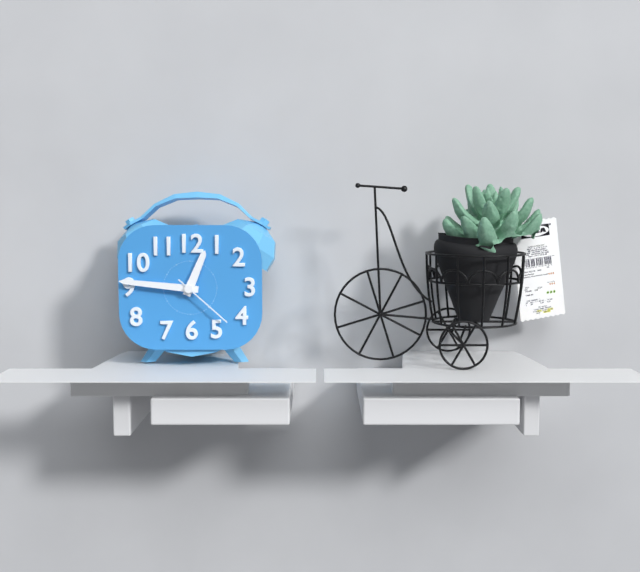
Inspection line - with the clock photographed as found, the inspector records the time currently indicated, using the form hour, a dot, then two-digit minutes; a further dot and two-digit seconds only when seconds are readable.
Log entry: 12.46.22
